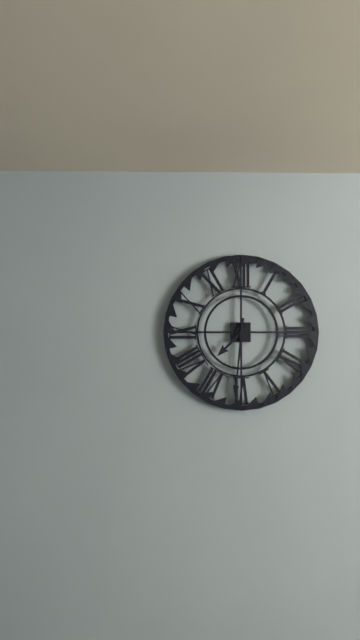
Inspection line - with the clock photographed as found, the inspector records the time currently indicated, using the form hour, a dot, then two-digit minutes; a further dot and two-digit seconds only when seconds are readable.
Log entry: 7.31
